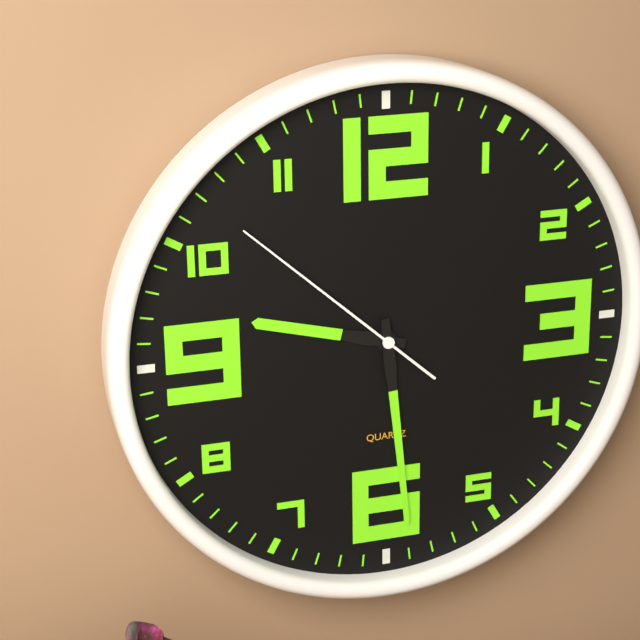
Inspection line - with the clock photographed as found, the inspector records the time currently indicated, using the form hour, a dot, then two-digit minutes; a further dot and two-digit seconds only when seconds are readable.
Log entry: 9.29.52
